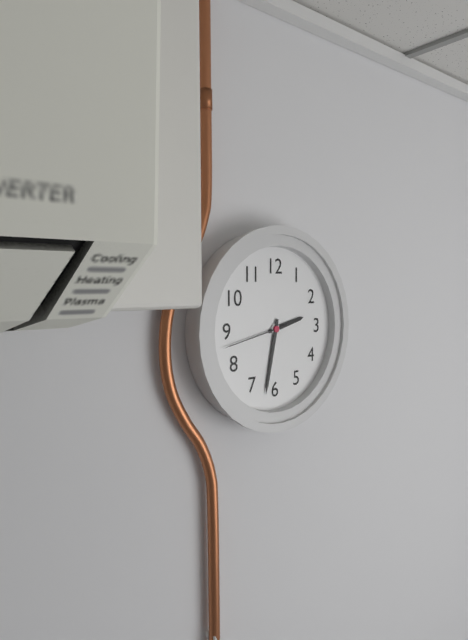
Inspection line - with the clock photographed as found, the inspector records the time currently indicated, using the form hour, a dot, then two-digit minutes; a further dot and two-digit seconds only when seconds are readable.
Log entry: 2.32.43
